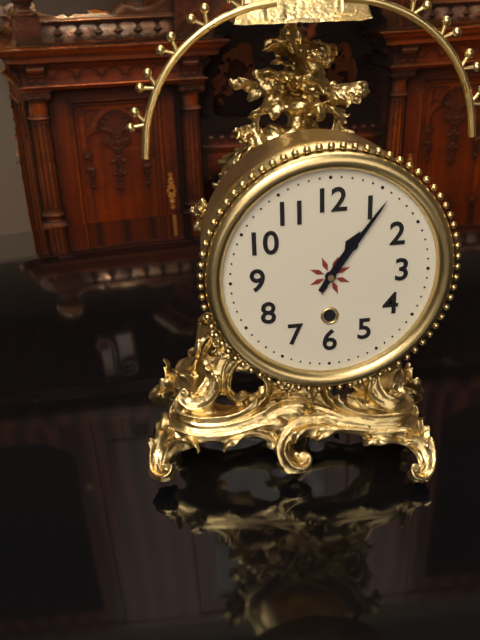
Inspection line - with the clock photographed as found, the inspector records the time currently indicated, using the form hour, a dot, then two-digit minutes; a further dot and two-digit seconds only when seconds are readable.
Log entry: 1.06
